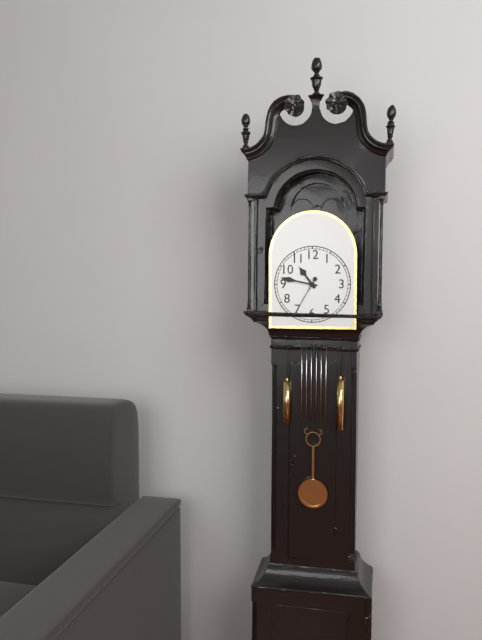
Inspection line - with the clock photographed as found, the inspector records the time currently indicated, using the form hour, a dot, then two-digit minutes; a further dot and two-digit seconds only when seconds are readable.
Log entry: 10.47
